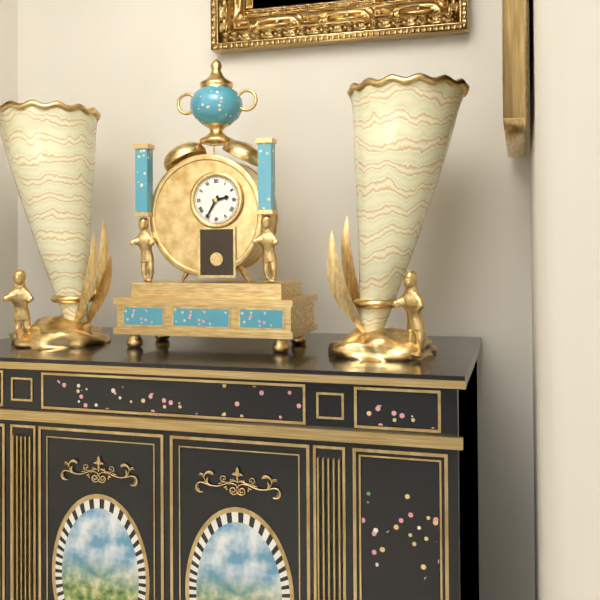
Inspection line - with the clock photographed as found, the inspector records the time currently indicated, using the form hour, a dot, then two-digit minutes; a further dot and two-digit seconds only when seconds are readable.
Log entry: 2.35
